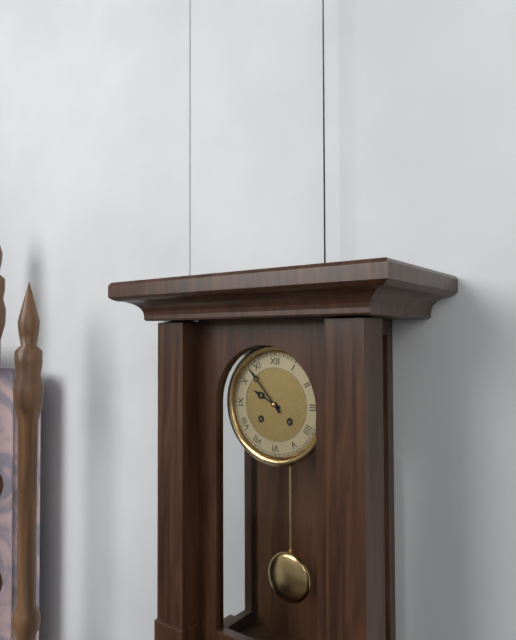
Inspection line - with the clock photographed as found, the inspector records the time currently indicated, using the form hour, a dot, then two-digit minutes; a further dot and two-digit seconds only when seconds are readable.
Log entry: 9.53
